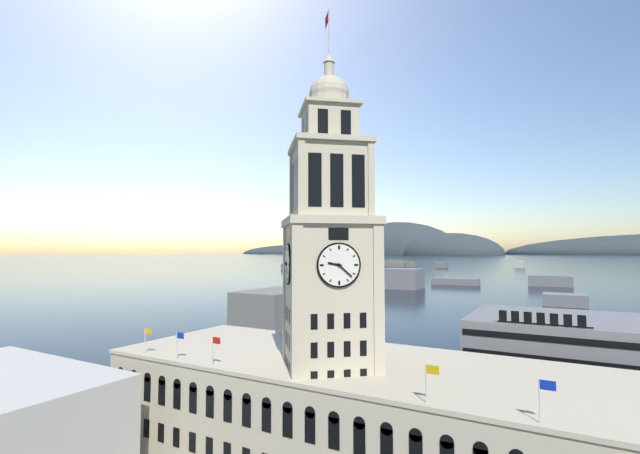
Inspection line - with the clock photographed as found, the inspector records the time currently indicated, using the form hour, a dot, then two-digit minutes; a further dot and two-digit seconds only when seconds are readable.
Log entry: 9.22
